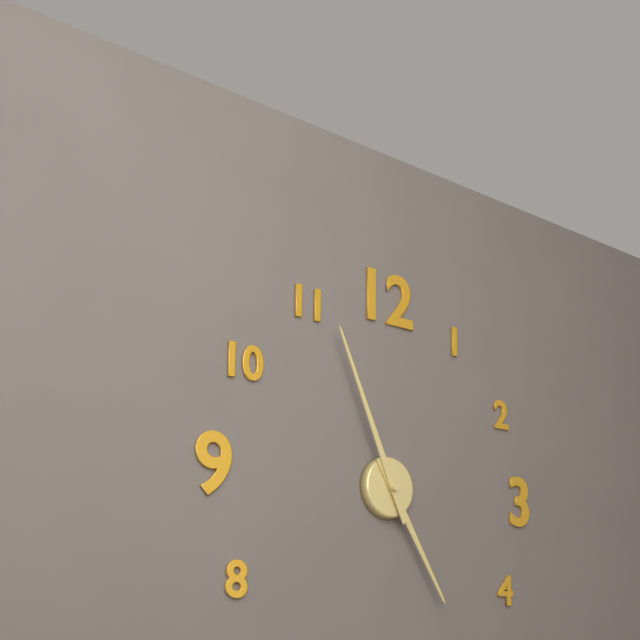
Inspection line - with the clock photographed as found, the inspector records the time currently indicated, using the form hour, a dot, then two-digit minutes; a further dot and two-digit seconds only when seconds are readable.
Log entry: 4.56
